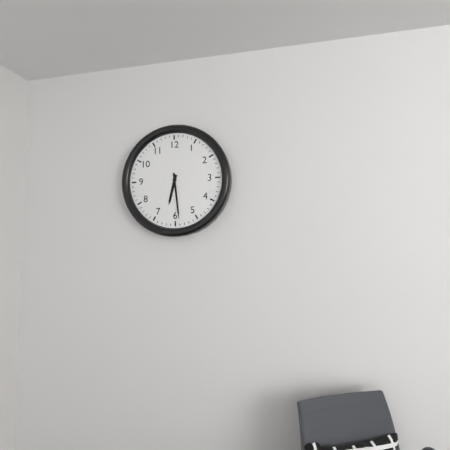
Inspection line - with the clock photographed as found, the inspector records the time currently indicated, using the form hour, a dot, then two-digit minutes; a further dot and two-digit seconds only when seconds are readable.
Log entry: 6.29
